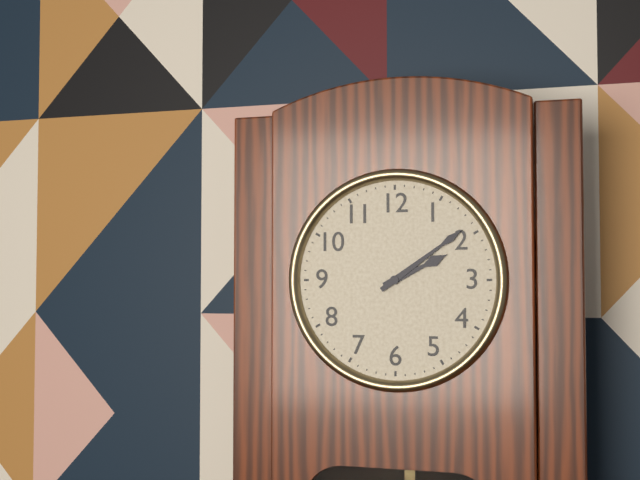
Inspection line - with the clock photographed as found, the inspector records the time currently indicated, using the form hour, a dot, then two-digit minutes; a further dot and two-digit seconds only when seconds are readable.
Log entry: 2.09
